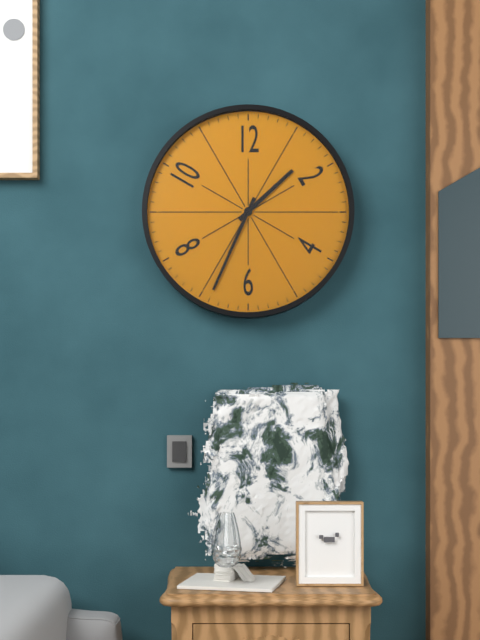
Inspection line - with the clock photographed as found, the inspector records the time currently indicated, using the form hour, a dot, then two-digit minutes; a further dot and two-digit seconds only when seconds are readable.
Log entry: 1.34
